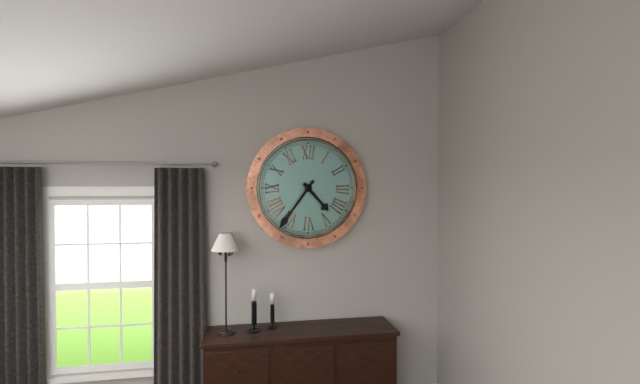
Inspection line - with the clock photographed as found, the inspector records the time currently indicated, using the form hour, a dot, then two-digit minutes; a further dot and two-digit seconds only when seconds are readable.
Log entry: 4.36
